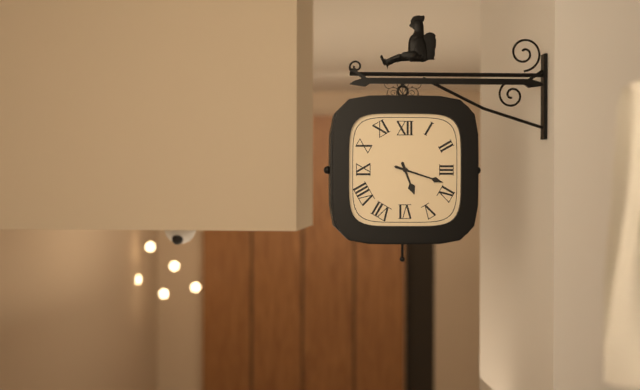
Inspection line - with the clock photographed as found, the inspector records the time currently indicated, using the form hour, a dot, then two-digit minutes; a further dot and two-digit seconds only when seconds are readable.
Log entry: 5.18
